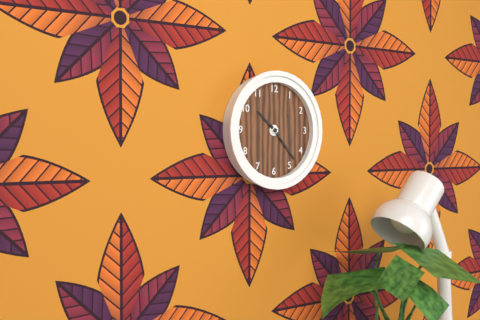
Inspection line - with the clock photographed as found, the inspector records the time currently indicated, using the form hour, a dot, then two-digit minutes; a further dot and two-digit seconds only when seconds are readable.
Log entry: 10.23
